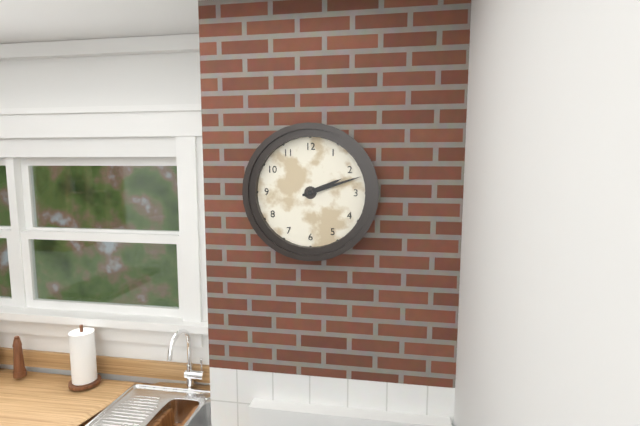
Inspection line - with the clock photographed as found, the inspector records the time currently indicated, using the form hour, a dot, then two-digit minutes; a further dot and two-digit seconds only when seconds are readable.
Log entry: 2.12
